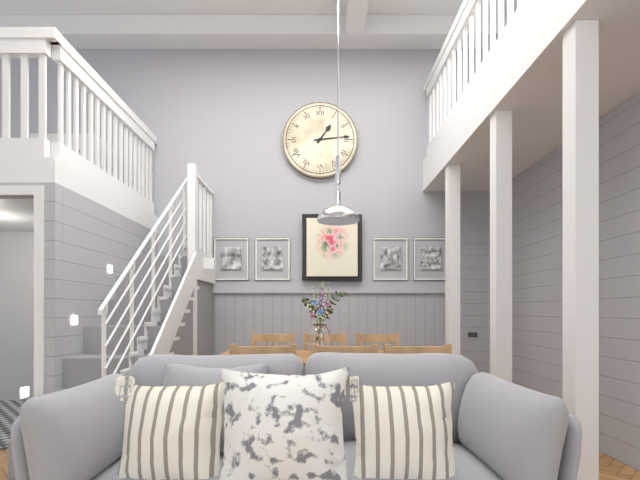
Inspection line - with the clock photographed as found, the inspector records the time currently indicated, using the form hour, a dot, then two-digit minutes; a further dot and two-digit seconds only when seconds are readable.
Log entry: 1.14
